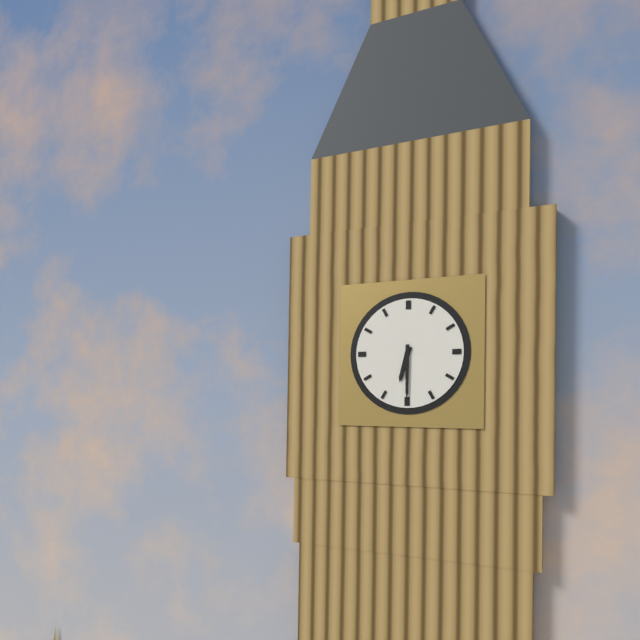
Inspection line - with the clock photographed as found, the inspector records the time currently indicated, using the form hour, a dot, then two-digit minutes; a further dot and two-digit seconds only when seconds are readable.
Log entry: 6.30
